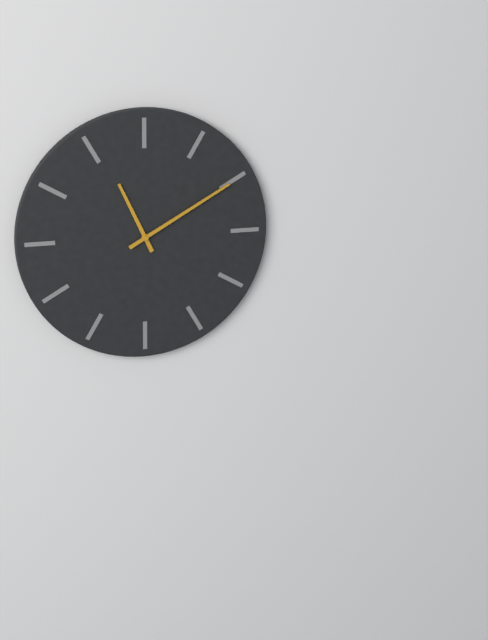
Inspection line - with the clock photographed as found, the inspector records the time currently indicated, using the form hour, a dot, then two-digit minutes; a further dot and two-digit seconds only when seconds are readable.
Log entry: 11.10
